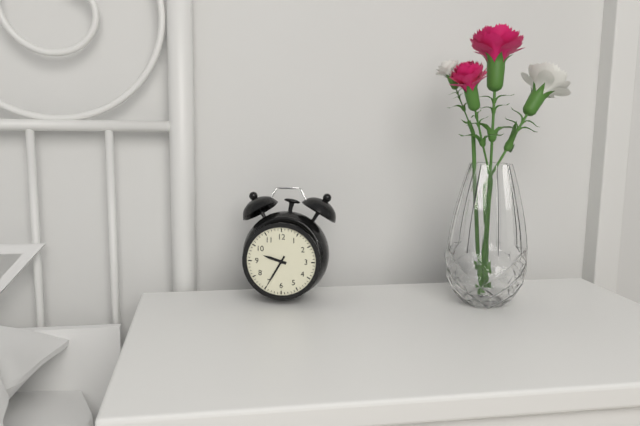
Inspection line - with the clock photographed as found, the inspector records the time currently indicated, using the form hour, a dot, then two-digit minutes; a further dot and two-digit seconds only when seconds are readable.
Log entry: 9.35
